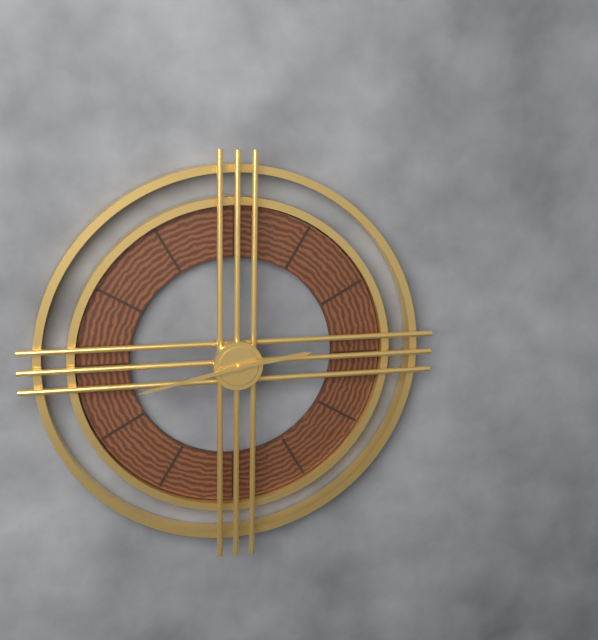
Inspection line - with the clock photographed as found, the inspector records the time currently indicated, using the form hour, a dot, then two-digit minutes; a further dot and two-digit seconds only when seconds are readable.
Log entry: 2.43
